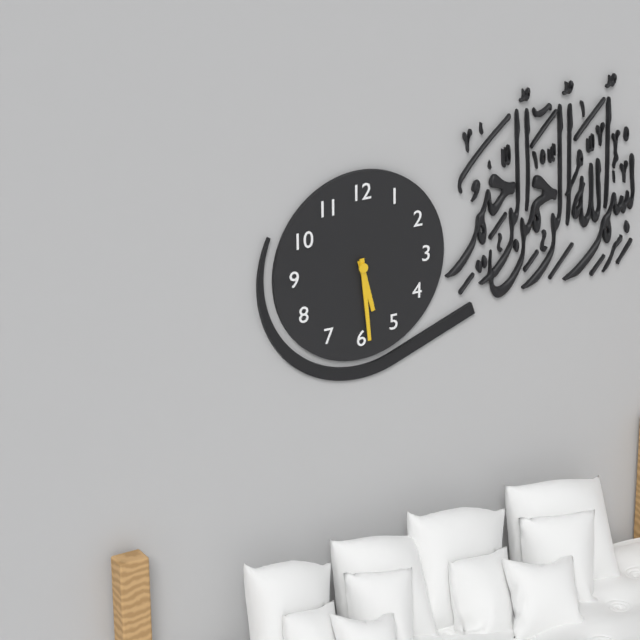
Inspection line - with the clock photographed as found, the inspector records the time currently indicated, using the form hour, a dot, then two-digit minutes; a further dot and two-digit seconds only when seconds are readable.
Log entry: 5.29
